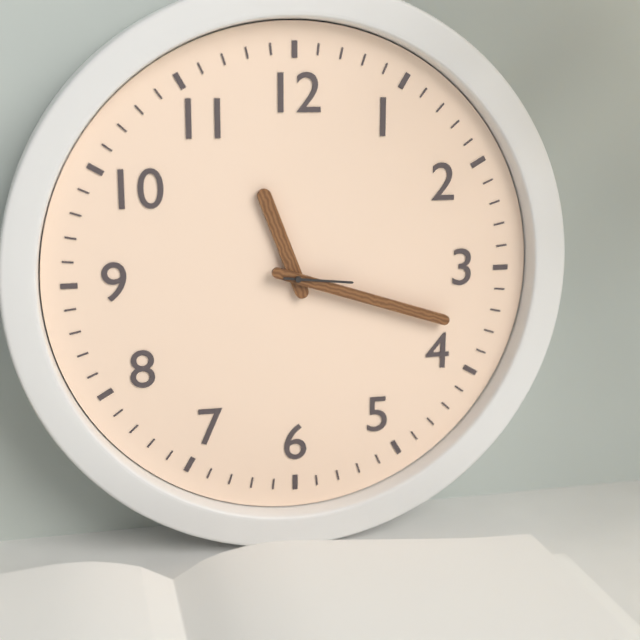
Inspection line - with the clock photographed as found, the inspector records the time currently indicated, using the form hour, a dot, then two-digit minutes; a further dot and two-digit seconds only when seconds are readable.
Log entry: 11.18.16
